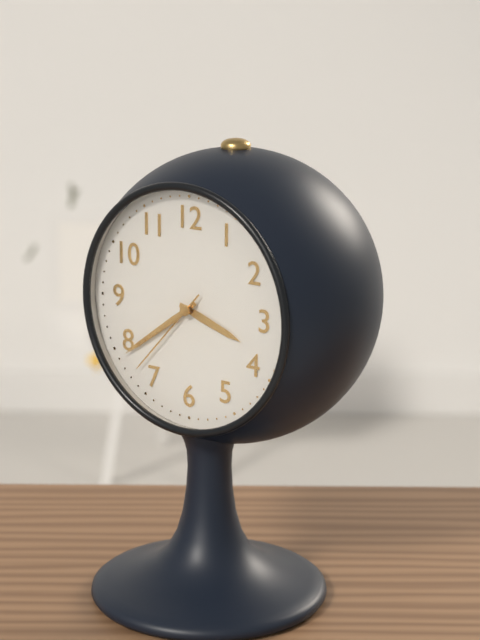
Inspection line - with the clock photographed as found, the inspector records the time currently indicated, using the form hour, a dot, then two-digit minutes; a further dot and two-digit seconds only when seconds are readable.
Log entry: 3.39.37
